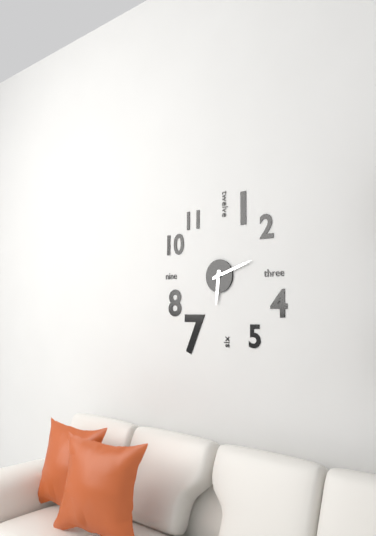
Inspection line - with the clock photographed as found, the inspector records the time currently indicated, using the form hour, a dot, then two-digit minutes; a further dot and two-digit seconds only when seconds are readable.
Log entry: 6.12
